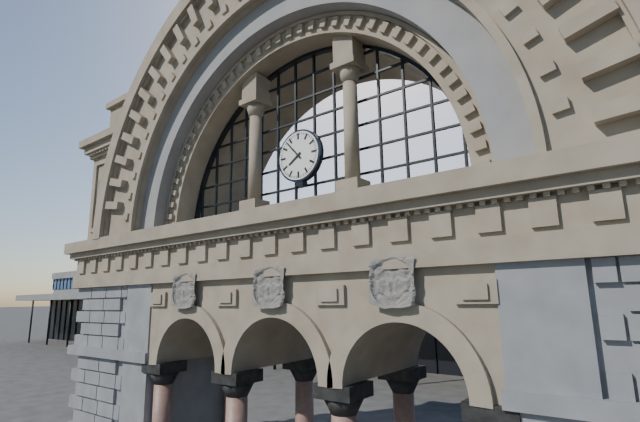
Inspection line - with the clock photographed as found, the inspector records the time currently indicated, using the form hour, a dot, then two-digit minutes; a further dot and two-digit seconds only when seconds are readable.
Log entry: 7.53
